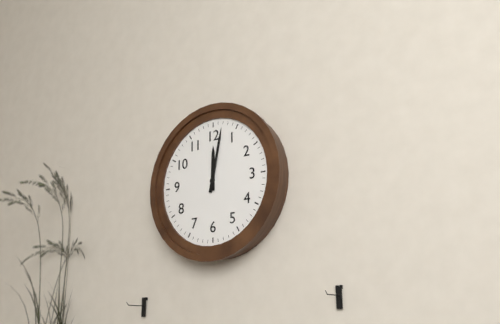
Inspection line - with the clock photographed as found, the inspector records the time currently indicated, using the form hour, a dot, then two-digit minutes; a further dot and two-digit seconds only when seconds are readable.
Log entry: 12.02
